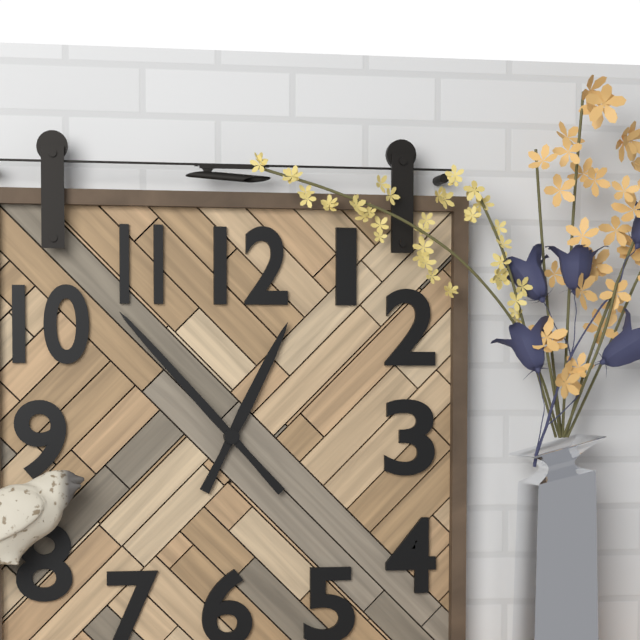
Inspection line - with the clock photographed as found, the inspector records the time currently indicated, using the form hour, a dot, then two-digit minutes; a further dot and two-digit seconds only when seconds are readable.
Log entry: 12.53
